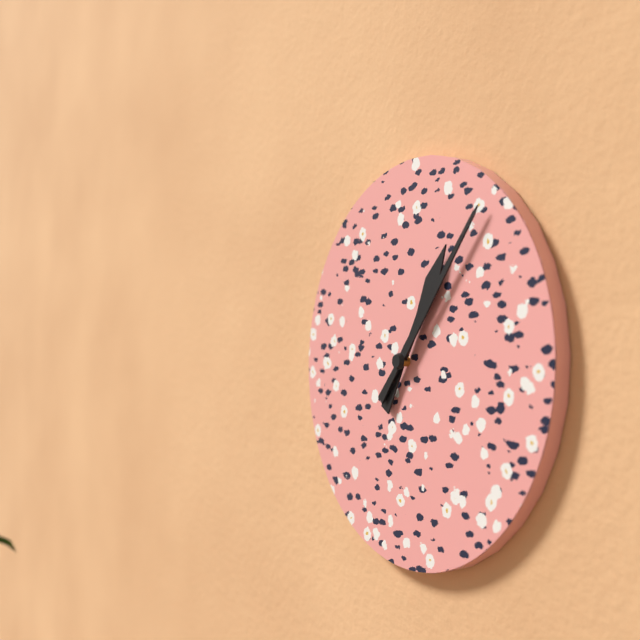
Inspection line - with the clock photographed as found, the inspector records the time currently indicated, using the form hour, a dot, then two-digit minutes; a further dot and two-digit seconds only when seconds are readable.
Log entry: 1.07
